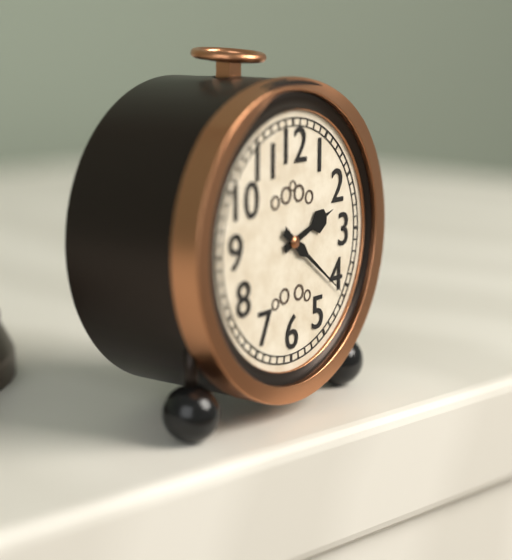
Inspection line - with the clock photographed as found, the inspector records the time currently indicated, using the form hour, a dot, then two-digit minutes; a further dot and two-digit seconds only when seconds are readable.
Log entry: 2.21
